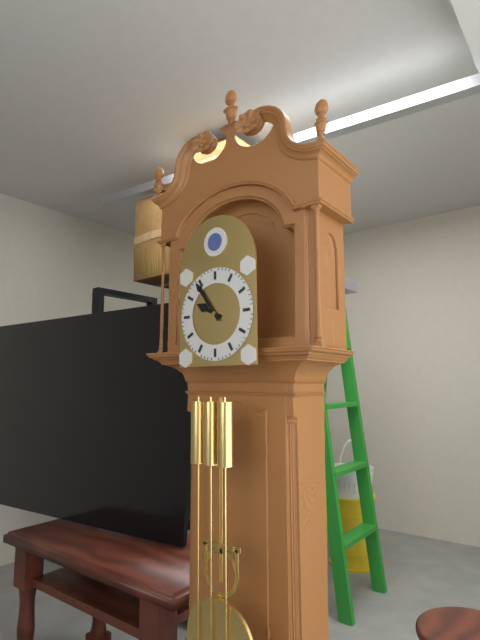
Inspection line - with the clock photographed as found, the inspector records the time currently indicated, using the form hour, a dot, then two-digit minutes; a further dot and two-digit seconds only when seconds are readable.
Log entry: 9.54
